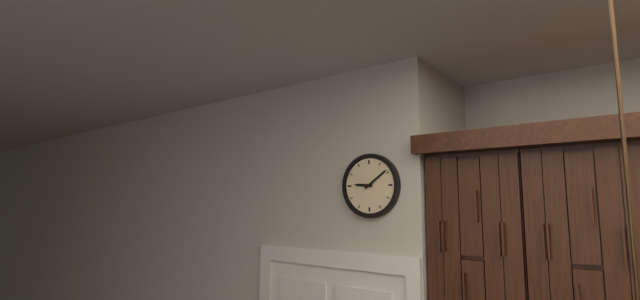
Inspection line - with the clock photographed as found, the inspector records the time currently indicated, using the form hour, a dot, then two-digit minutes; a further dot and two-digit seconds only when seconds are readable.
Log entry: 9.09
